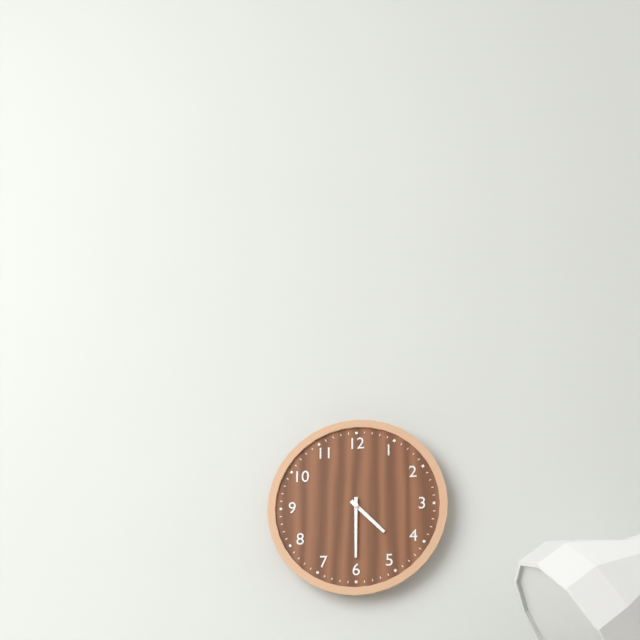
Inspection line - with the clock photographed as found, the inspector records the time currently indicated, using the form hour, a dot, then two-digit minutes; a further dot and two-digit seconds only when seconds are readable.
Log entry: 4.30
